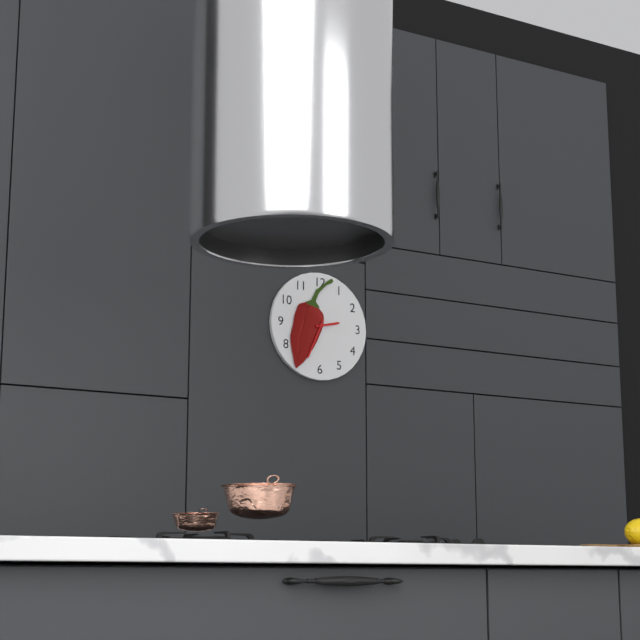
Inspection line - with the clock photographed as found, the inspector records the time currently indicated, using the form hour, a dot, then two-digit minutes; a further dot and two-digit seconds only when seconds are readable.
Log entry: 2.34
